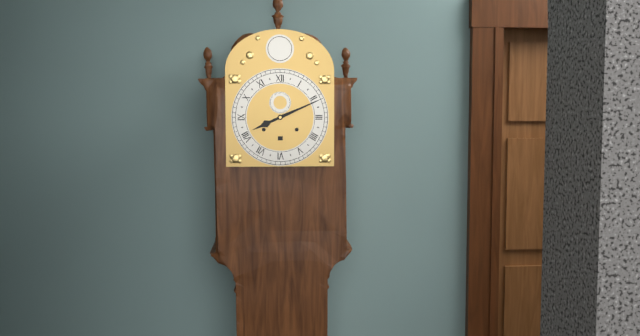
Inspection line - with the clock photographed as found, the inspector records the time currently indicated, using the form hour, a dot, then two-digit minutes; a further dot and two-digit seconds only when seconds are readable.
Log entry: 8.11
